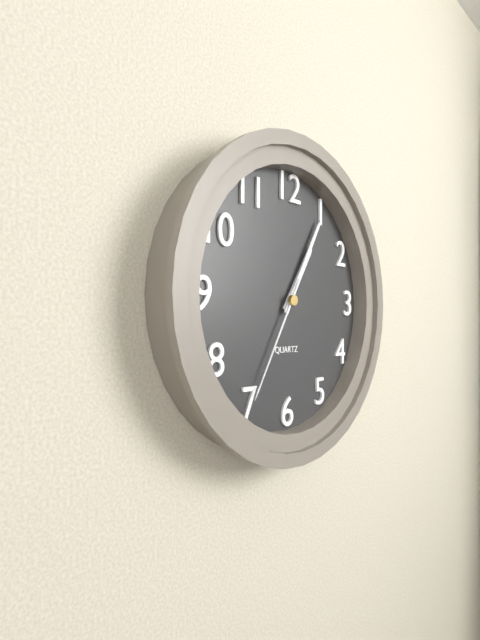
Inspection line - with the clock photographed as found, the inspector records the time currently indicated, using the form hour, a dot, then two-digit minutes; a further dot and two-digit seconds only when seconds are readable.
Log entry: 1.05.35
